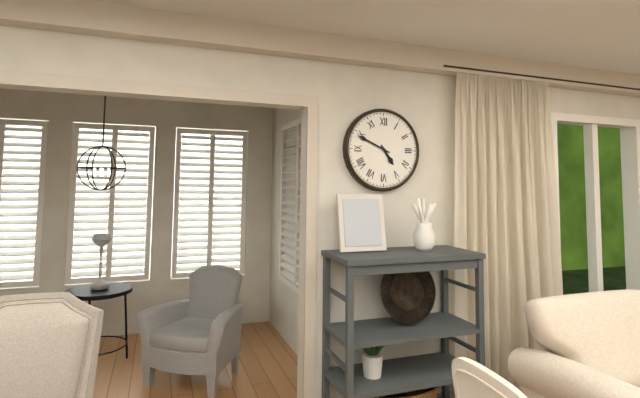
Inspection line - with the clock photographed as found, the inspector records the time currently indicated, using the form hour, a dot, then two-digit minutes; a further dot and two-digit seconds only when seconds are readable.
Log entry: 4.49
